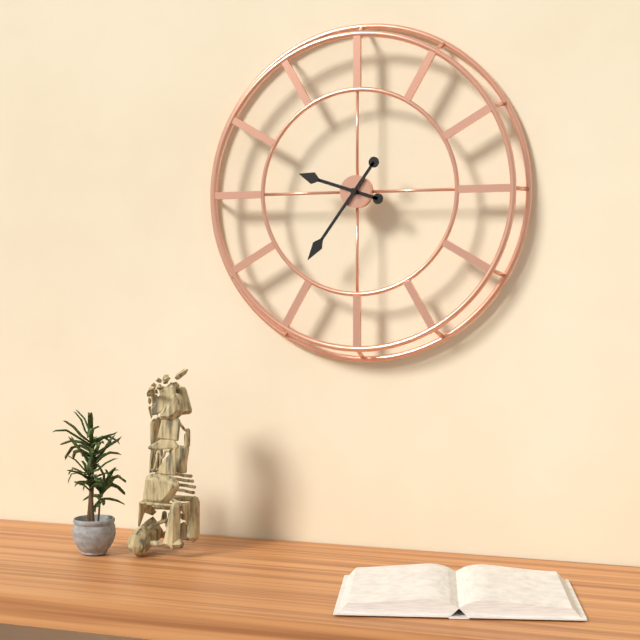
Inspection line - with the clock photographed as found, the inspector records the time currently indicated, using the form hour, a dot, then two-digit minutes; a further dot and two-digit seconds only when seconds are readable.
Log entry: 9.36
